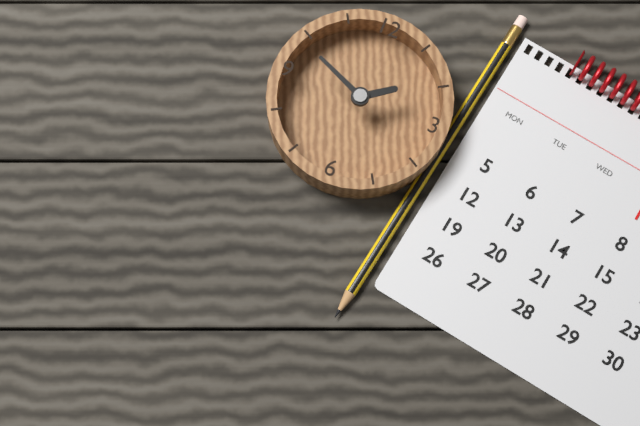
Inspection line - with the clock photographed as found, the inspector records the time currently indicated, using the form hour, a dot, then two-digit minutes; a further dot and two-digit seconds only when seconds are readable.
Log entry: 1.49
